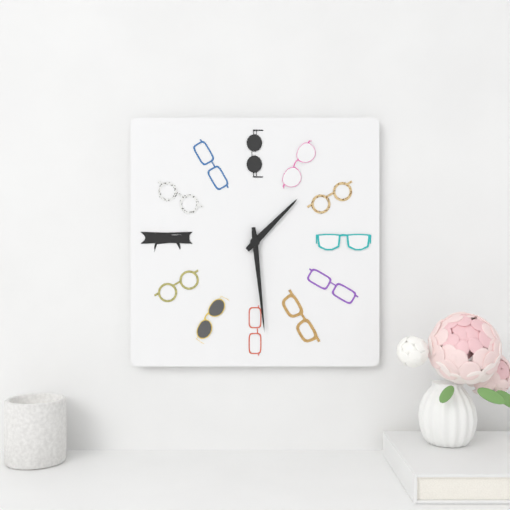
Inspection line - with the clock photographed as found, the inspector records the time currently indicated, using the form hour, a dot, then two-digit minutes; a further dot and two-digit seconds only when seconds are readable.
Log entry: 1.29
